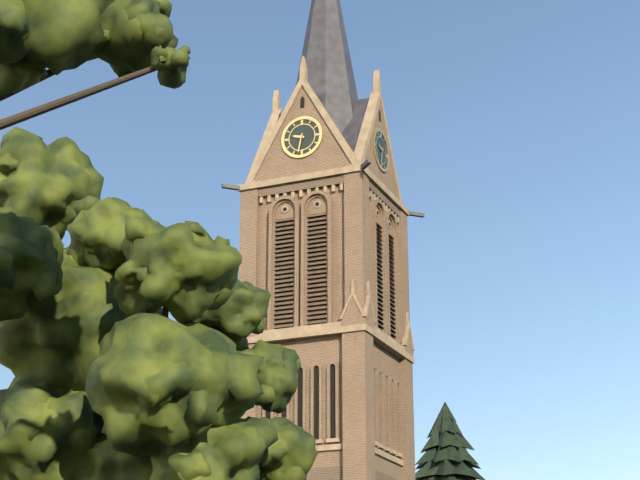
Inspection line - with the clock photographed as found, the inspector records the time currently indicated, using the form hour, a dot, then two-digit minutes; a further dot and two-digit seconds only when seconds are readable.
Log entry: 9.32
